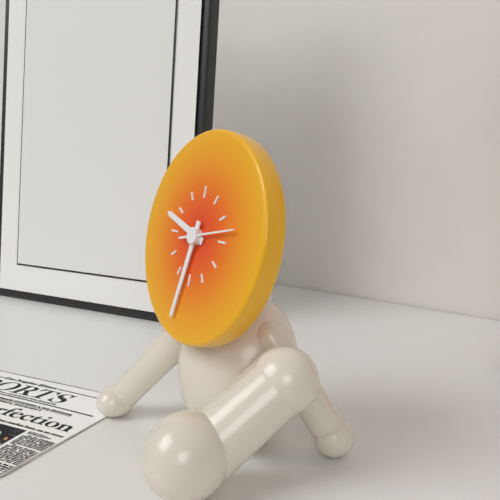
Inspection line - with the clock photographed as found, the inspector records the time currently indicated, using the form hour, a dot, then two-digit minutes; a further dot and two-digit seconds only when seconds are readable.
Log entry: 9.32.13
